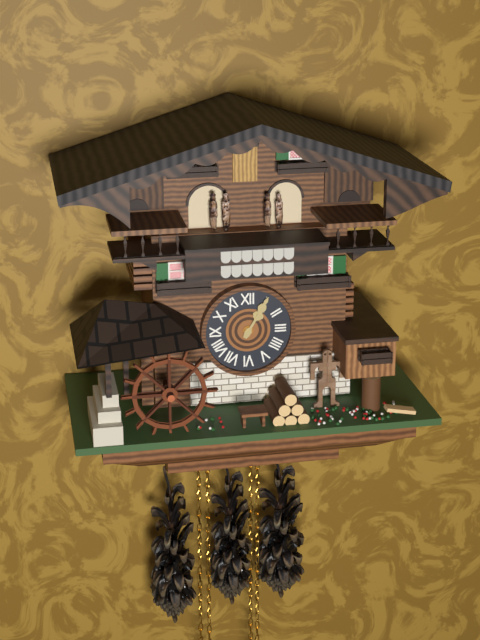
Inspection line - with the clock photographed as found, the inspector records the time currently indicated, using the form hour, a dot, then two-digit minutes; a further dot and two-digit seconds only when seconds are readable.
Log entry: 1.05
